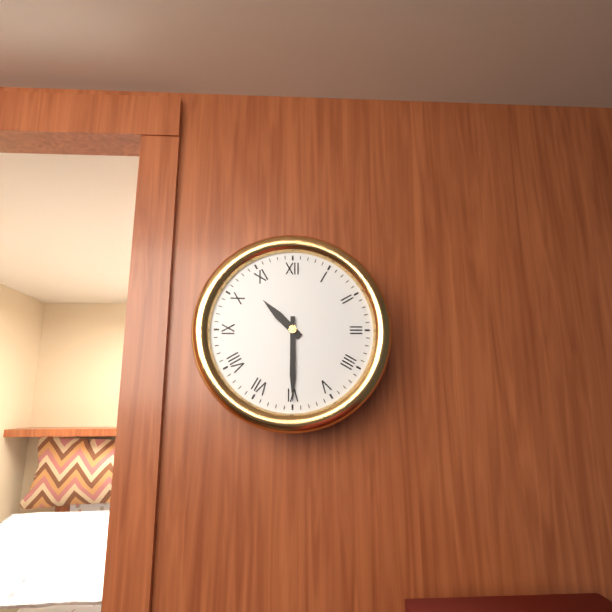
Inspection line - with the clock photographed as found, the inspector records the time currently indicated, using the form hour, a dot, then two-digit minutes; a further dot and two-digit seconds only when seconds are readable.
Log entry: 10.30
